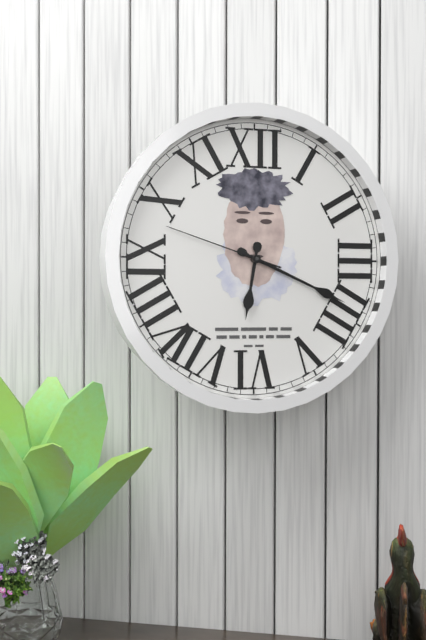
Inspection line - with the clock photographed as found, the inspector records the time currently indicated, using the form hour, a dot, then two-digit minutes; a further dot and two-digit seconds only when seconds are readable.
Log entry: 6.19.48
